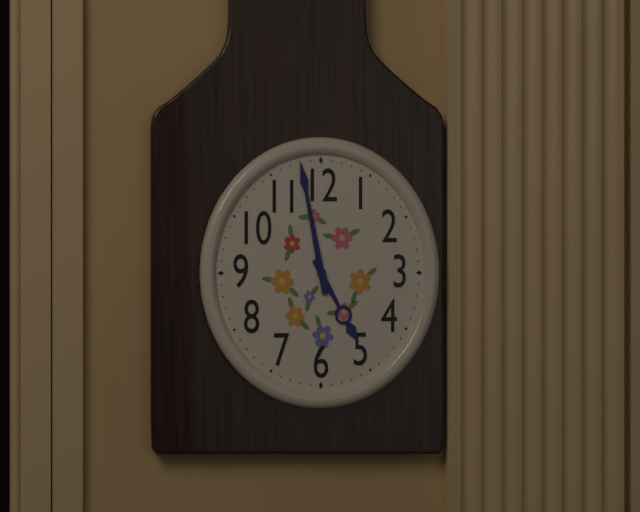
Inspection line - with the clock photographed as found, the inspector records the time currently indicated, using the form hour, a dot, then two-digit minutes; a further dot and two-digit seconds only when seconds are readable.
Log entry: 4.58
